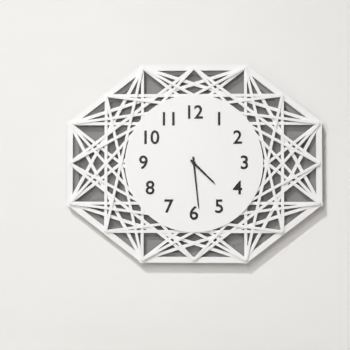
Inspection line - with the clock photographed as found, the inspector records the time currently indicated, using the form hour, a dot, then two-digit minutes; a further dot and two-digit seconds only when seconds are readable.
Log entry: 4.29
